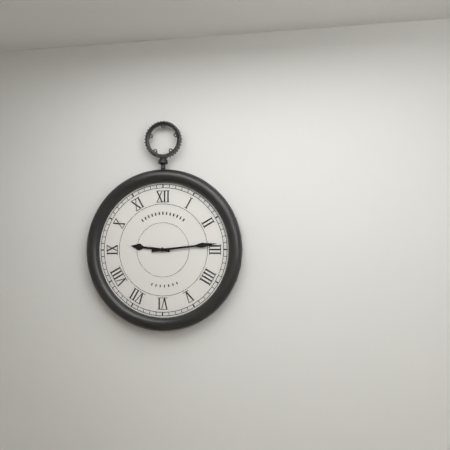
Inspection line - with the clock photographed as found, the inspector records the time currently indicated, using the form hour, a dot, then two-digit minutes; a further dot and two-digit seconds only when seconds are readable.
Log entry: 9.14
